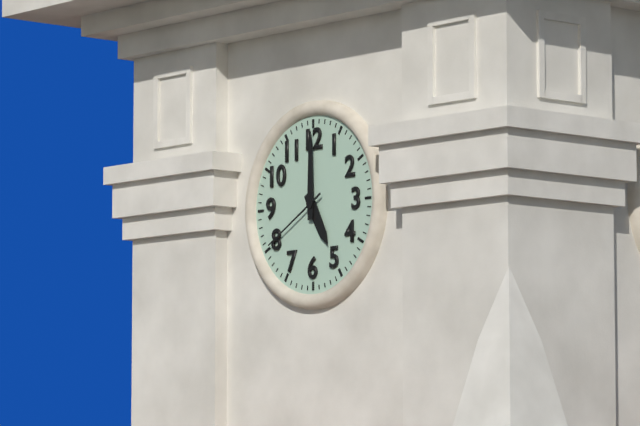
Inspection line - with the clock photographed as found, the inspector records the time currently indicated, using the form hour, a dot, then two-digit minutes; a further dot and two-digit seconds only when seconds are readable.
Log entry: 5.00.40
